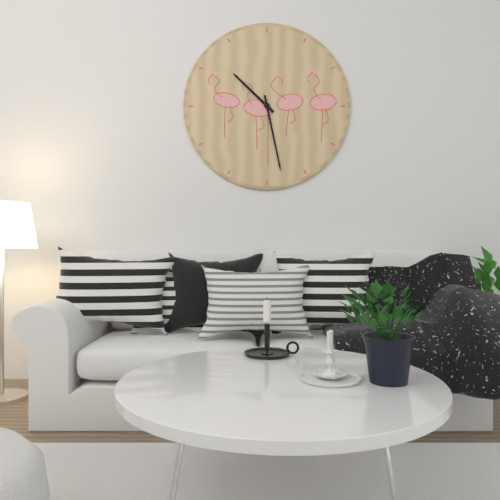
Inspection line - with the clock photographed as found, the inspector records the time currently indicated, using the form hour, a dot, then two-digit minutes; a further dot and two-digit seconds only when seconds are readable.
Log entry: 10.28
